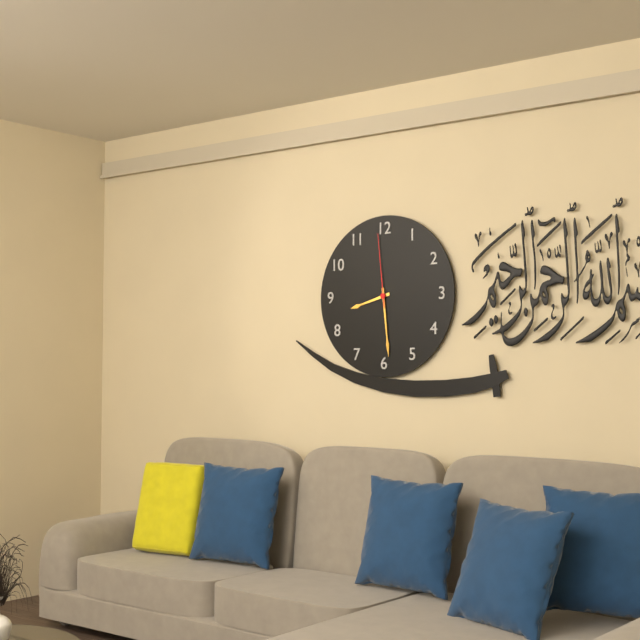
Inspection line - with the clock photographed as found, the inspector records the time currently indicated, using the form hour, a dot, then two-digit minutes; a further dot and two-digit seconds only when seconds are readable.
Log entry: 8.29.59
